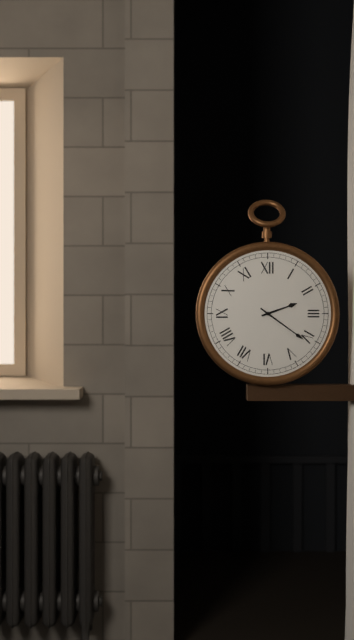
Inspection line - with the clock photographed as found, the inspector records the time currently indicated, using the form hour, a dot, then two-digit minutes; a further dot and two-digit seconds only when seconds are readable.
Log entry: 2.21
